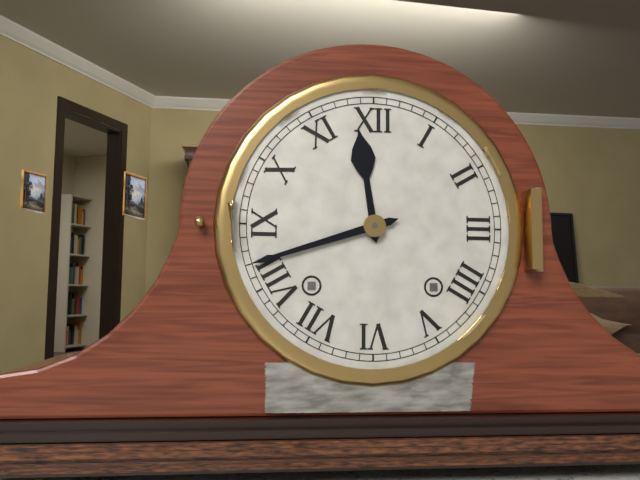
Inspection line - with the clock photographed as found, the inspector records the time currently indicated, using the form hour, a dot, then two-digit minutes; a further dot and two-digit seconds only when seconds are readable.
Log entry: 11.42
